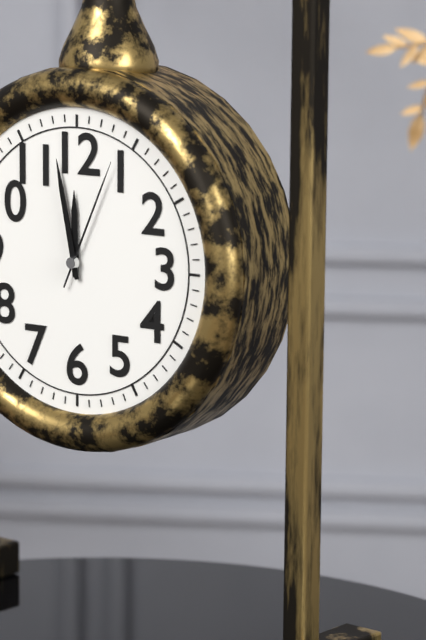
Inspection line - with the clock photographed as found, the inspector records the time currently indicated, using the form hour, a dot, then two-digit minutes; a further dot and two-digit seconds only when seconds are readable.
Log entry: 11.58.04
